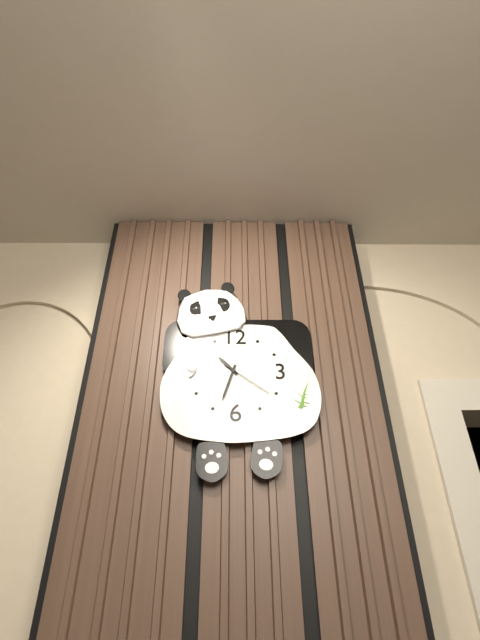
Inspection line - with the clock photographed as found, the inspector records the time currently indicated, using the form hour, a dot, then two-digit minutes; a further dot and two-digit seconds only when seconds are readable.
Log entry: 10.33.21
